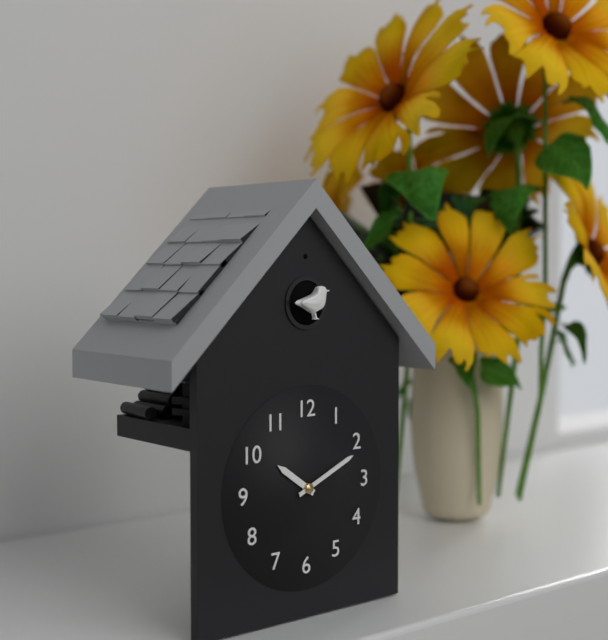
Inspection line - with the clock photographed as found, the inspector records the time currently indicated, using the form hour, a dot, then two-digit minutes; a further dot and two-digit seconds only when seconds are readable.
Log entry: 10.11
